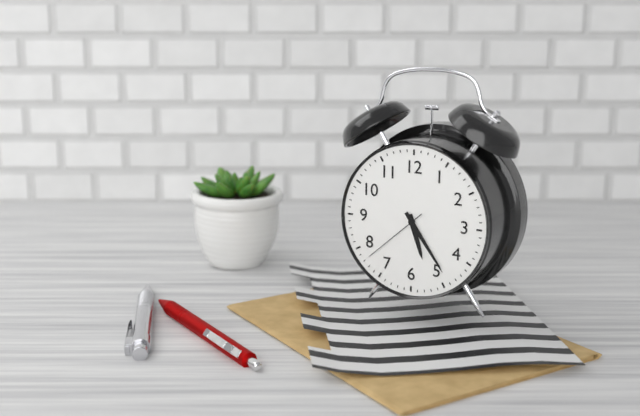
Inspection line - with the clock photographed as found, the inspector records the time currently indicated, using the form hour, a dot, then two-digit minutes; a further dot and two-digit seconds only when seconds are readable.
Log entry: 5.24.38
